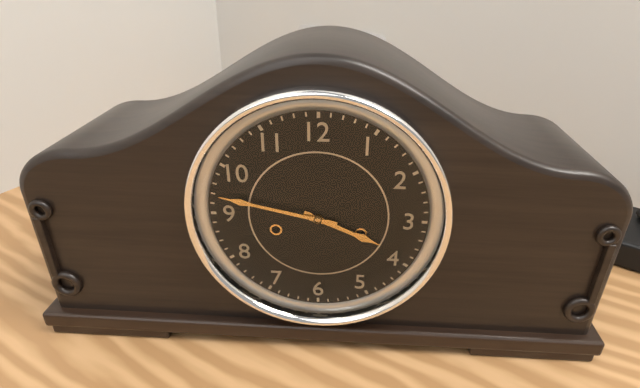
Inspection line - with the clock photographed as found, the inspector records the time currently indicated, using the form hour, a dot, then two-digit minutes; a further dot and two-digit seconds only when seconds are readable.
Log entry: 3.47
